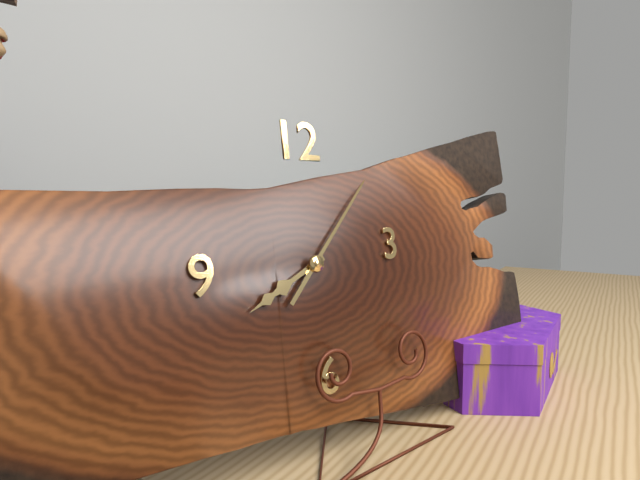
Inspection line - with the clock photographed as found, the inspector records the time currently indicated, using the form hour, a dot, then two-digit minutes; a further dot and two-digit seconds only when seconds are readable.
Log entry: 8.07
